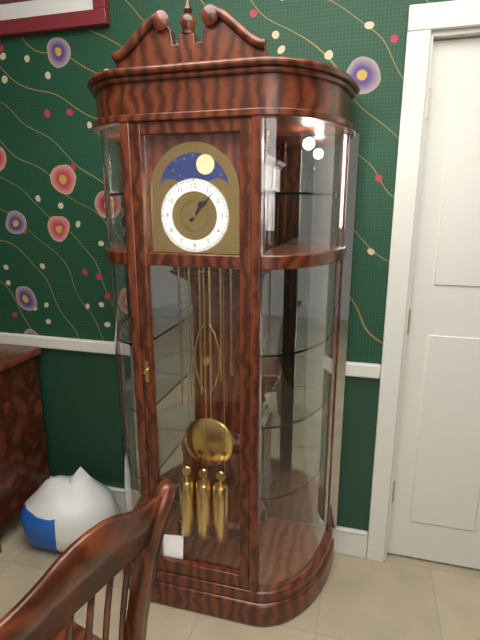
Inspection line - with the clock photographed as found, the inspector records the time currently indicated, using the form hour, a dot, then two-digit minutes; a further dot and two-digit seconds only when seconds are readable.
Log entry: 1.07
